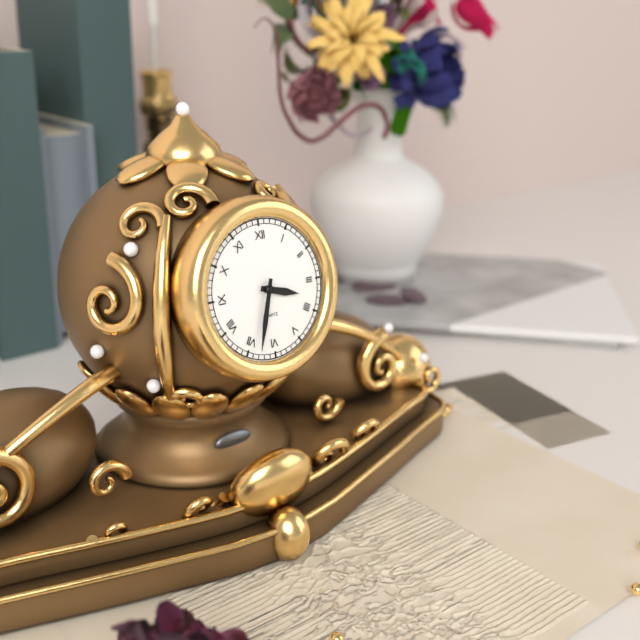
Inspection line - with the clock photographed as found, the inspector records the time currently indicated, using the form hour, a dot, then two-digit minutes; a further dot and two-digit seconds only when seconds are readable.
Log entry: 3.33
